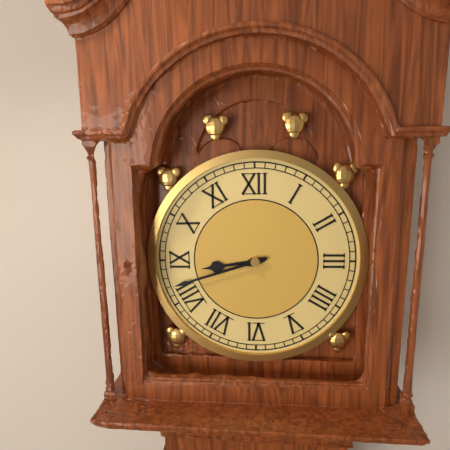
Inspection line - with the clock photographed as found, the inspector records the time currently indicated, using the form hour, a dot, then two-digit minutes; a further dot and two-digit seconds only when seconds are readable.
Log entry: 8.42
